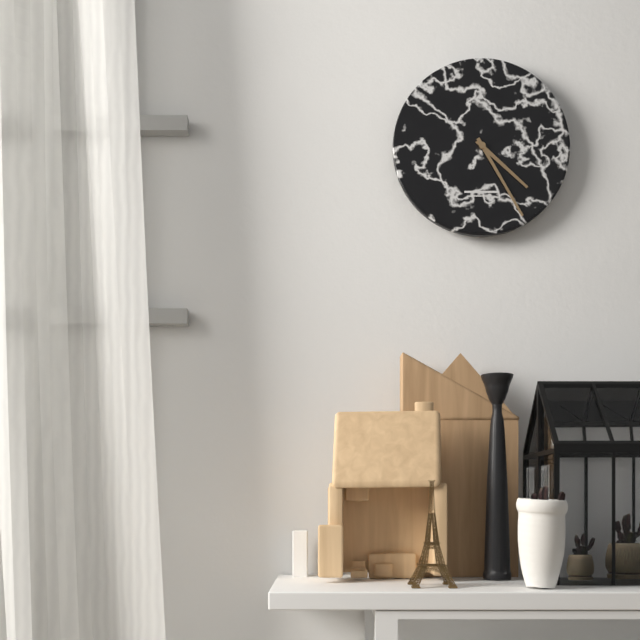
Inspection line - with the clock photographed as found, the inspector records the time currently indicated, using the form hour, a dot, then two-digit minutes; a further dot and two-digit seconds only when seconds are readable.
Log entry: 4.25
